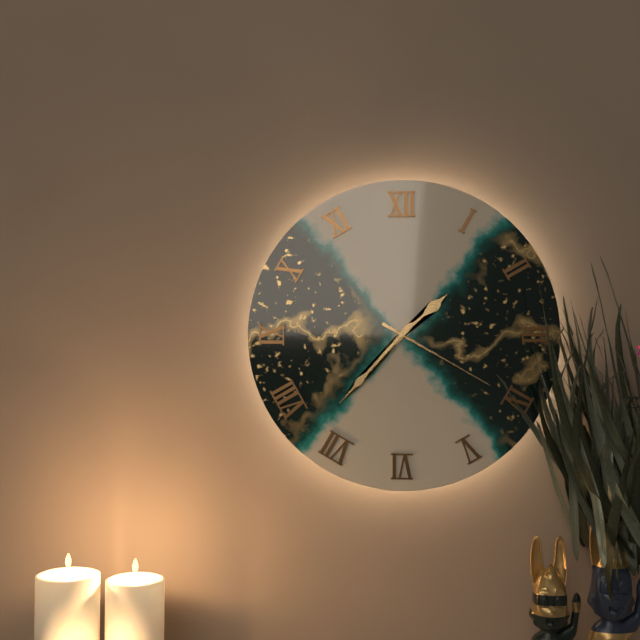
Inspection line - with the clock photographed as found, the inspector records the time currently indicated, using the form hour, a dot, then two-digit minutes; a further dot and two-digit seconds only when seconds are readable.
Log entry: 1.37.20
